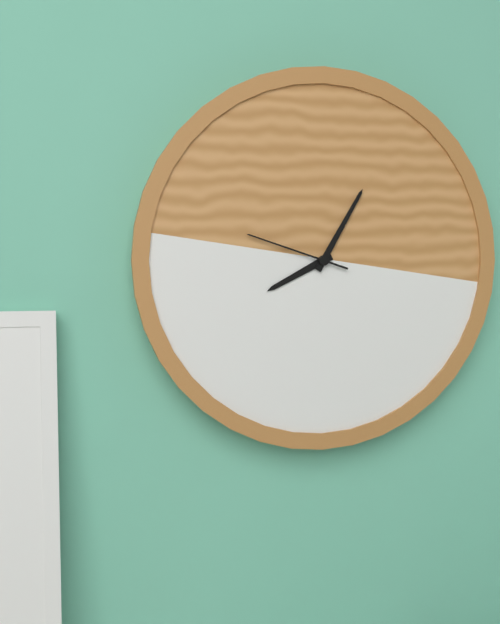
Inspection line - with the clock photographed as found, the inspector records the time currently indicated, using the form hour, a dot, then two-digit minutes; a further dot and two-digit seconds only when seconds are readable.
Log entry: 8.05.48
